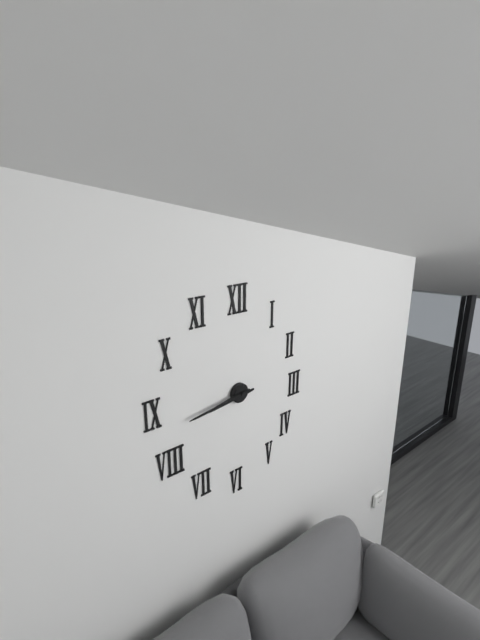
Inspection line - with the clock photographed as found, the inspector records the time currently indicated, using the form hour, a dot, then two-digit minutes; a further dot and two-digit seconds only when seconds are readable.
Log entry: 8.44
